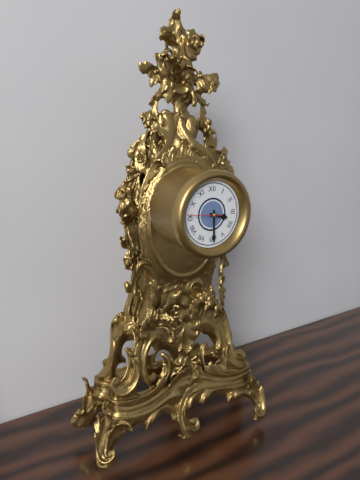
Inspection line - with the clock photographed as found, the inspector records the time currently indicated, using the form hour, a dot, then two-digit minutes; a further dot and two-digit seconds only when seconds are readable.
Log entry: 3.30
